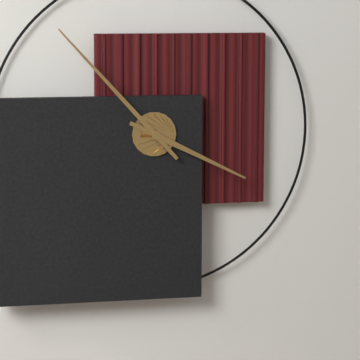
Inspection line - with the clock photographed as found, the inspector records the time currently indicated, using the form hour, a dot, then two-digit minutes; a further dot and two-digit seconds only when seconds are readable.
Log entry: 3.53
